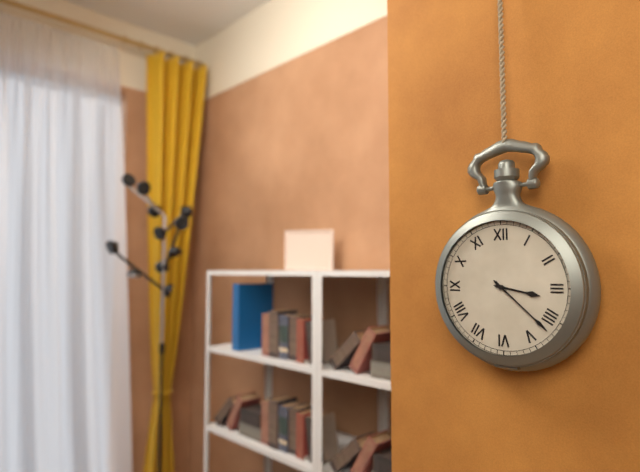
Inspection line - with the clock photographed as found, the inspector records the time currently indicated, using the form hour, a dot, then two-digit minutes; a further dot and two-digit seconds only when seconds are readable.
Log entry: 3.22
